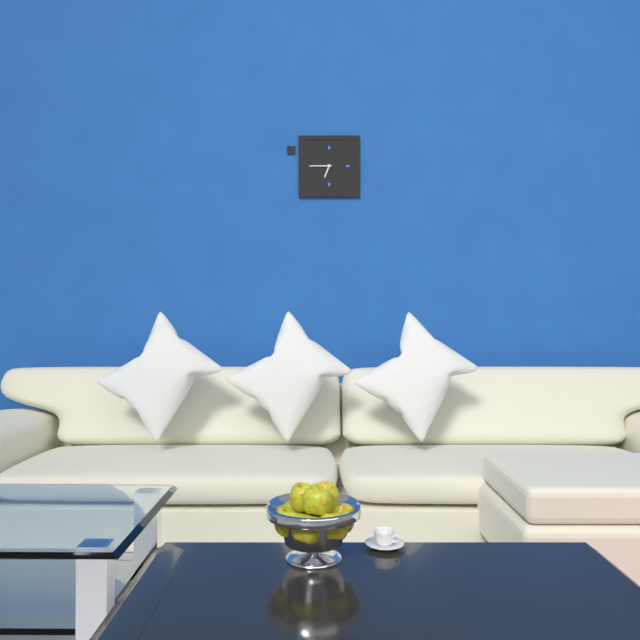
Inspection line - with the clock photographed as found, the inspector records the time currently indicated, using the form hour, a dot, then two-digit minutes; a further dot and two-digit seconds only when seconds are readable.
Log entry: 6.45
